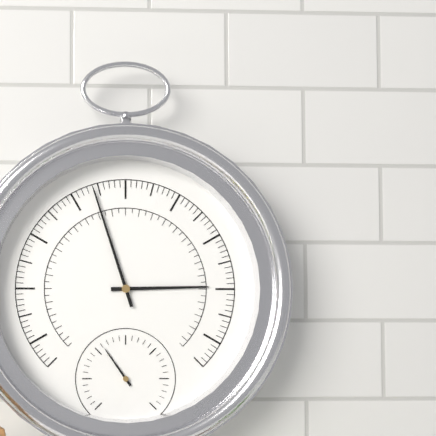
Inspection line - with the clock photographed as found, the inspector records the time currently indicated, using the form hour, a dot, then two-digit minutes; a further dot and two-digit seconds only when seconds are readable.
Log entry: 2.57
